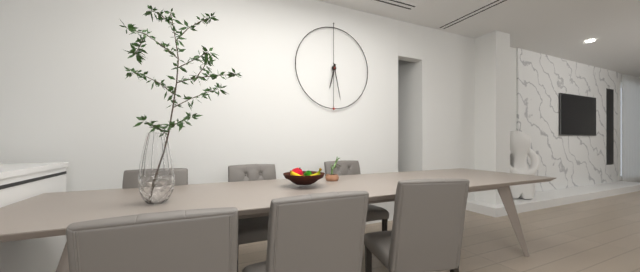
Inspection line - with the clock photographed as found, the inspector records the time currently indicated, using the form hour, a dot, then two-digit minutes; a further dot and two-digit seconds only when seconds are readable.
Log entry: 6.28
